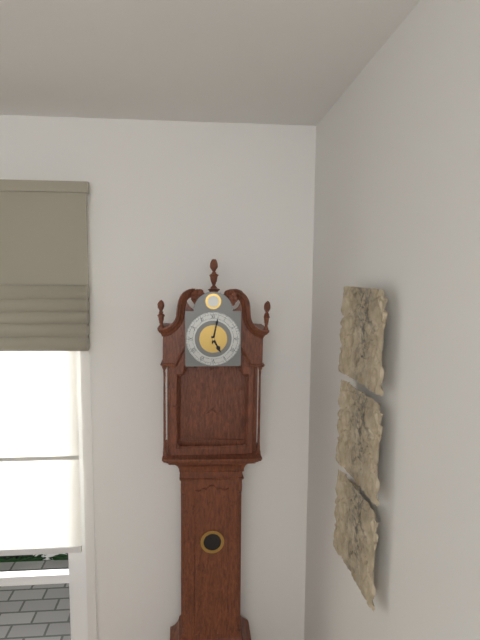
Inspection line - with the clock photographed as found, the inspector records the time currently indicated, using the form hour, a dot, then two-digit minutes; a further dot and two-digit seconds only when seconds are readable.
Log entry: 5.02
